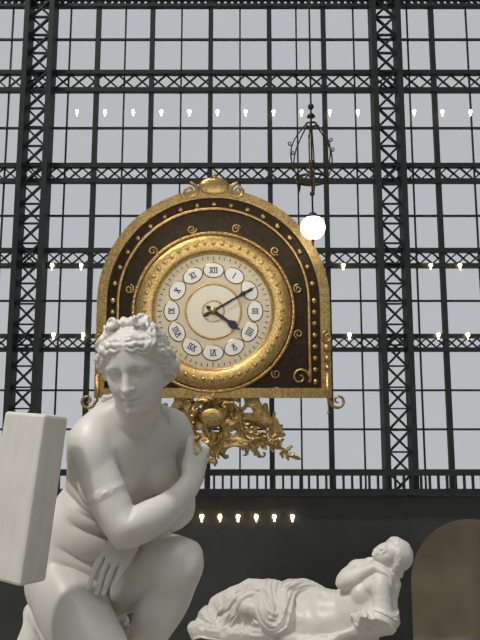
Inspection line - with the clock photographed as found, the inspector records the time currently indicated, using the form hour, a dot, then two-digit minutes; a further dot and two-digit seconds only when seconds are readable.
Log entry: 4.10
